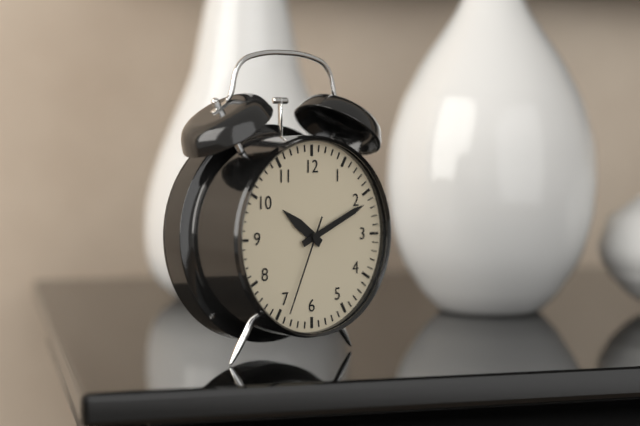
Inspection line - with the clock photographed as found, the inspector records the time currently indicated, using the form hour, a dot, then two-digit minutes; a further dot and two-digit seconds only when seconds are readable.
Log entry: 10.11.34
